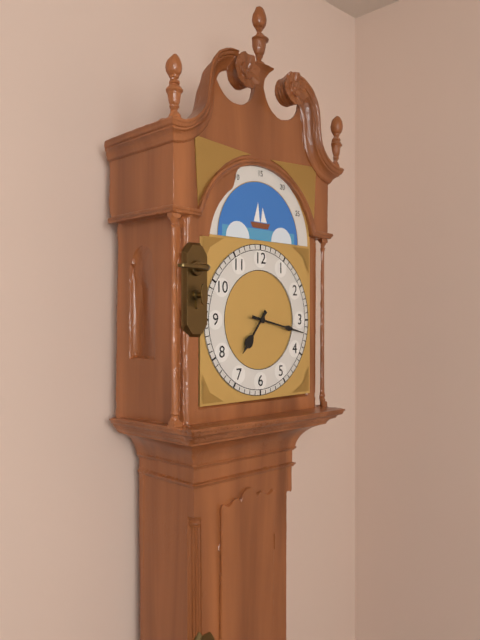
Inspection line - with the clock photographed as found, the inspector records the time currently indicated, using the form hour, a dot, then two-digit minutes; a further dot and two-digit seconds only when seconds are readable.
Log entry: 7.17
